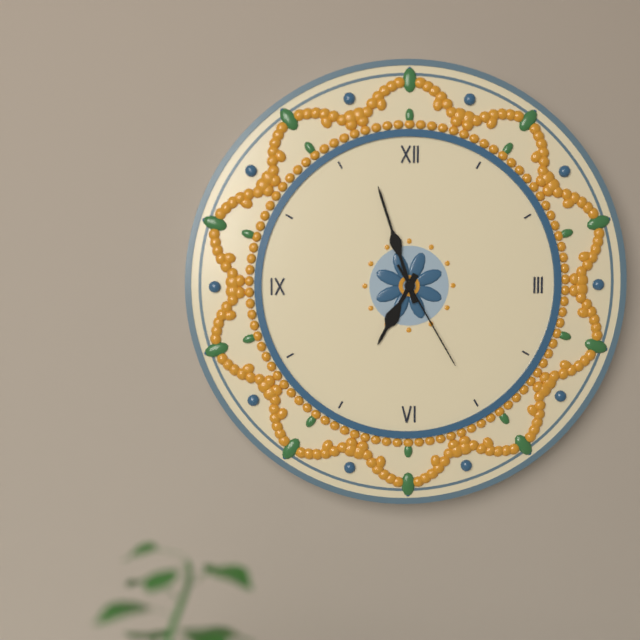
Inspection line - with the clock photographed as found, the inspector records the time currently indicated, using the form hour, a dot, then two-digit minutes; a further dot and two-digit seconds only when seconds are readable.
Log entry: 6.57.25
